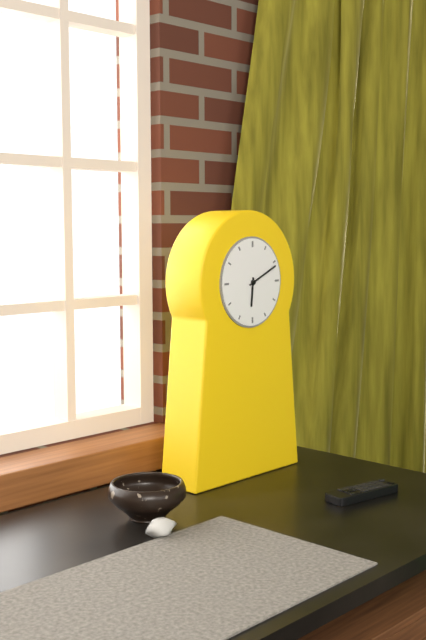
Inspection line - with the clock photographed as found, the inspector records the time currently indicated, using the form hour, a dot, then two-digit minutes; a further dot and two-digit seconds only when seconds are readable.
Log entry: 6.11
